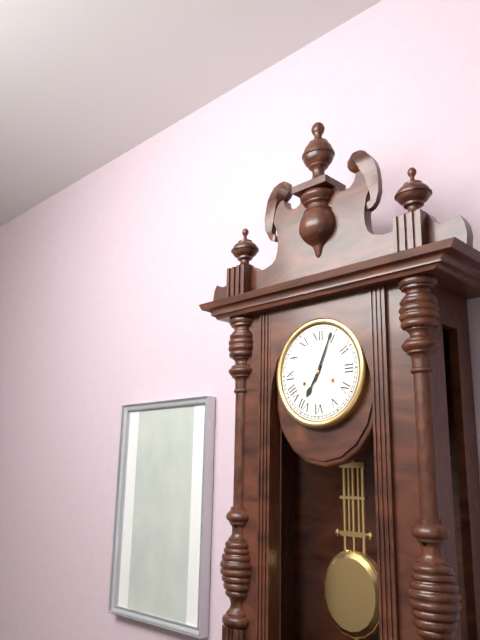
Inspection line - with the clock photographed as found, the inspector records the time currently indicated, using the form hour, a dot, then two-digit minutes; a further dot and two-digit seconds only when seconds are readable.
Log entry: 7.04
